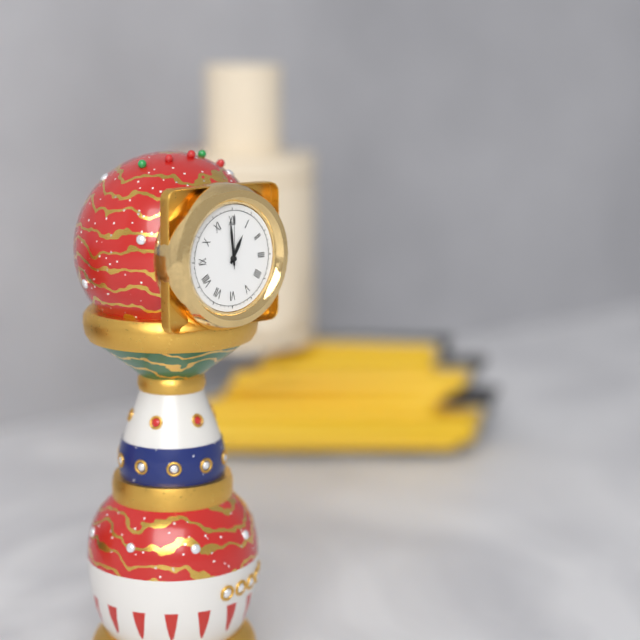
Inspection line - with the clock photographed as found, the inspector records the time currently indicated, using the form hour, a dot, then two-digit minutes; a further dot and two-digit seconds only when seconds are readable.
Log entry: 12.59.00
